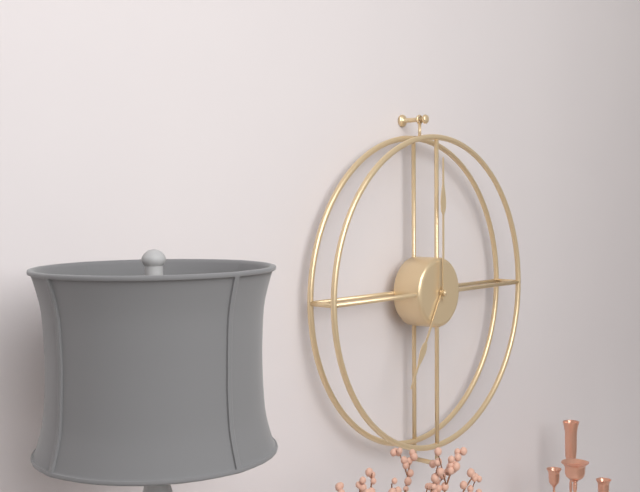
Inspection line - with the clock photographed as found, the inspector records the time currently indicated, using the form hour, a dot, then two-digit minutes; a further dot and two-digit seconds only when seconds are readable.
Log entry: 7.00
